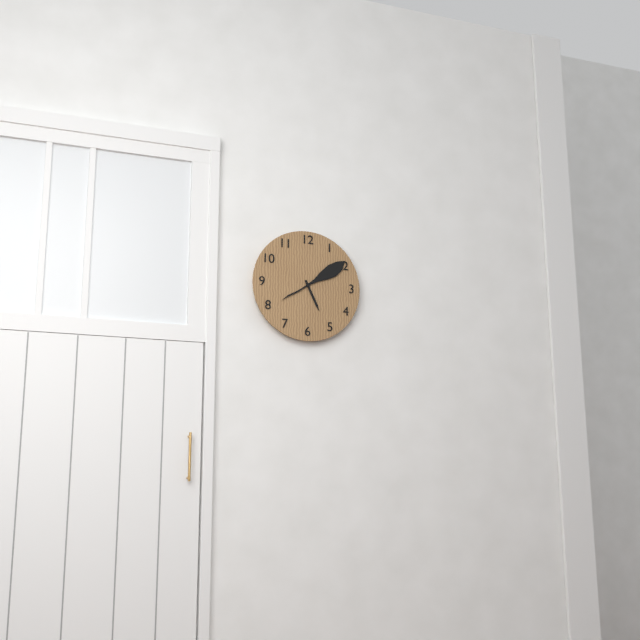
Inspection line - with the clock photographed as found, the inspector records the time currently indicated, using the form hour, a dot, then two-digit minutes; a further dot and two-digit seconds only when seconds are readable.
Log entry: 5.09
